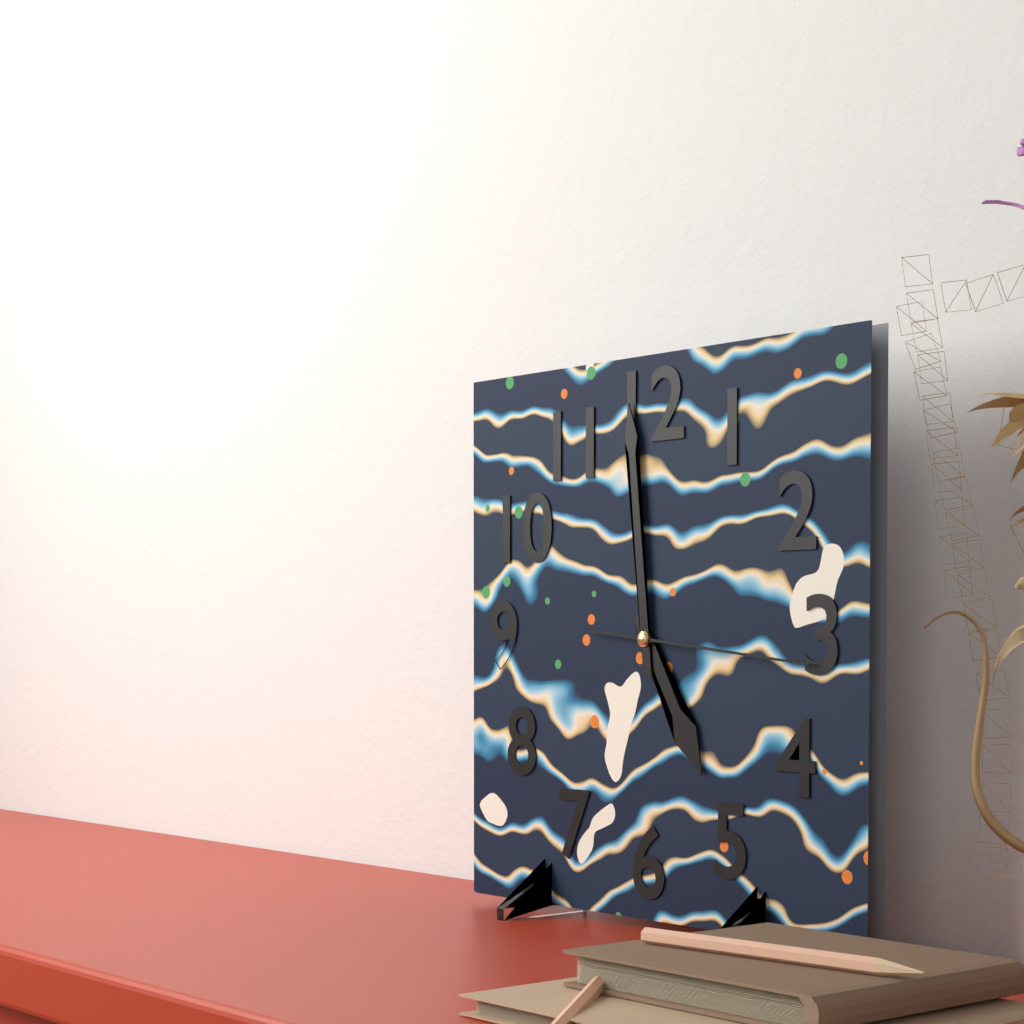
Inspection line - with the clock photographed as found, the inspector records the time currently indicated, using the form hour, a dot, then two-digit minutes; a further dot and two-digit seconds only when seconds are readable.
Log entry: 4.59.16
